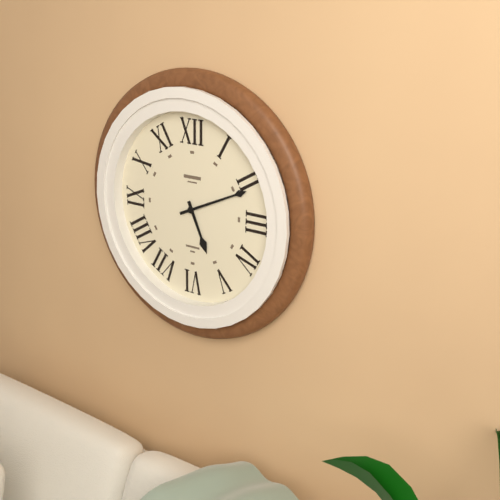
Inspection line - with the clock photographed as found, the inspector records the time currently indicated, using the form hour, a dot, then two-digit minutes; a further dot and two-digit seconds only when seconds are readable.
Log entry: 5.11
